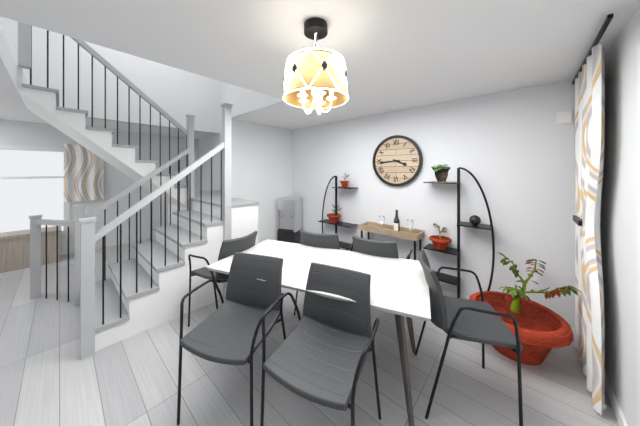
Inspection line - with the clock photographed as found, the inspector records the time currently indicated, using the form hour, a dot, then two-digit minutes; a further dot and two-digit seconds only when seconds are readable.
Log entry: 3.44
